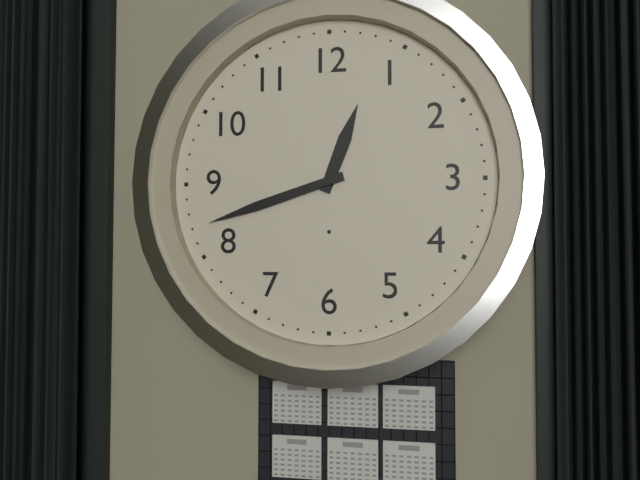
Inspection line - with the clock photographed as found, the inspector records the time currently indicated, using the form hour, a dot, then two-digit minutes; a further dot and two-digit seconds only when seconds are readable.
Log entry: 12.42
